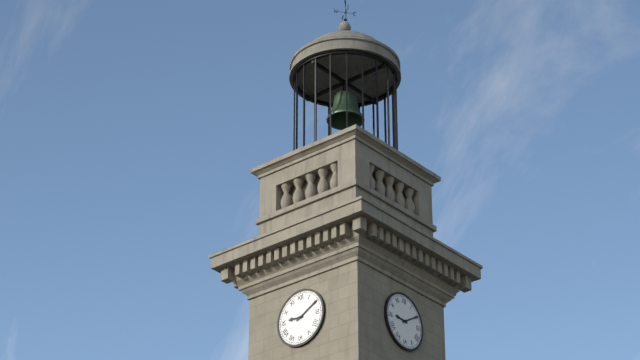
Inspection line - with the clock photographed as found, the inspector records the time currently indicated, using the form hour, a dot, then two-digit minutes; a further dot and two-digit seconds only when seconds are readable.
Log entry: 9.10
